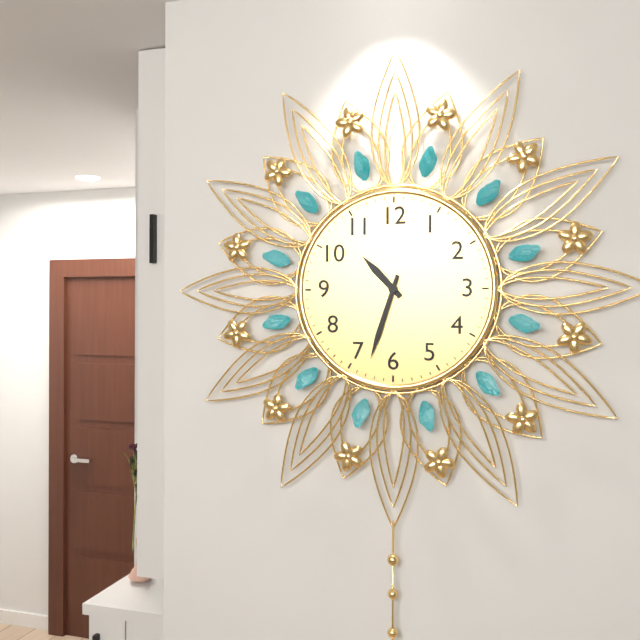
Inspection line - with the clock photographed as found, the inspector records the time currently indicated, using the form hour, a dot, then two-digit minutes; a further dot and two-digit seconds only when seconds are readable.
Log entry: 10.33
